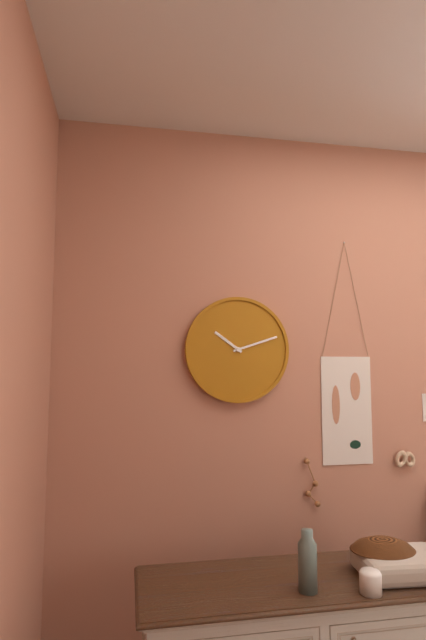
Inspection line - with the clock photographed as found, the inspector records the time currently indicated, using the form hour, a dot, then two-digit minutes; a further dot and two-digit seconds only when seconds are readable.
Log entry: 10.12
